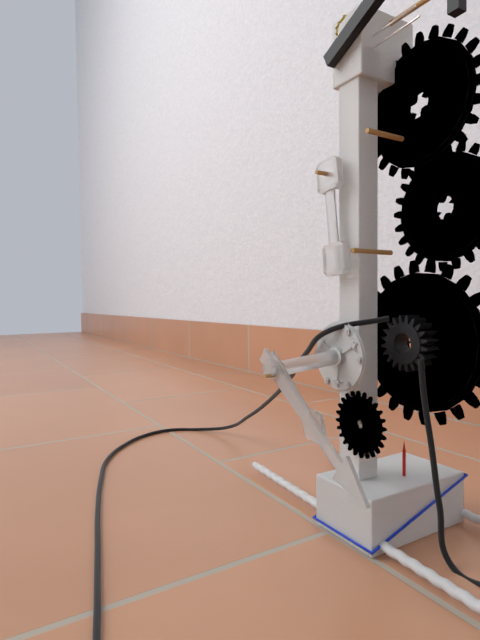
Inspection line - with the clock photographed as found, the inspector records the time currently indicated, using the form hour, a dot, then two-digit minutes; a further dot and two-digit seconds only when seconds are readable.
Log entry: 4.21
